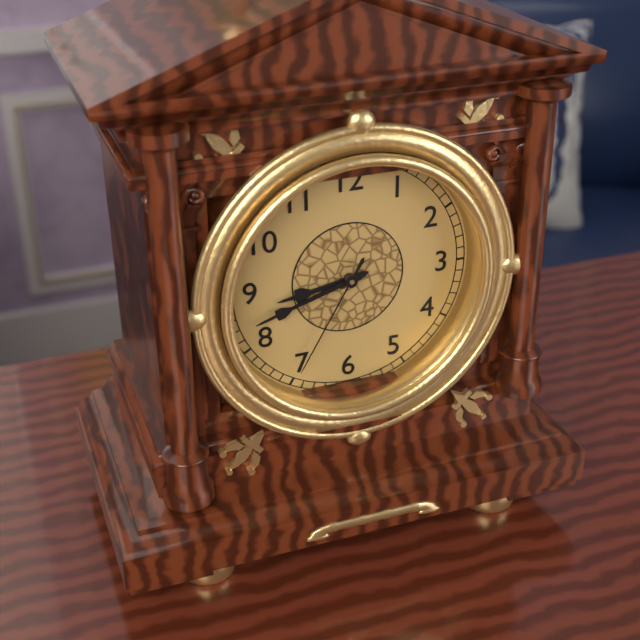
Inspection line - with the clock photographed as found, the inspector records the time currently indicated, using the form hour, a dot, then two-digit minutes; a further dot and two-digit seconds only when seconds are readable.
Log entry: 8.42.35
